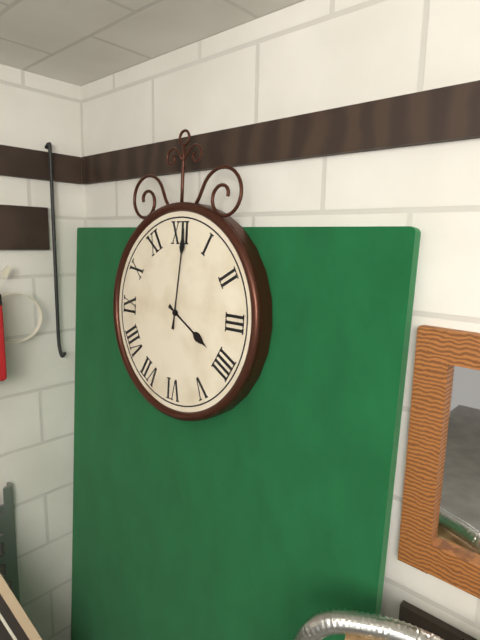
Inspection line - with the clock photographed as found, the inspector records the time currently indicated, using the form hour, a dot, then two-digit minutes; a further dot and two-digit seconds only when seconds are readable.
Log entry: 4.01
